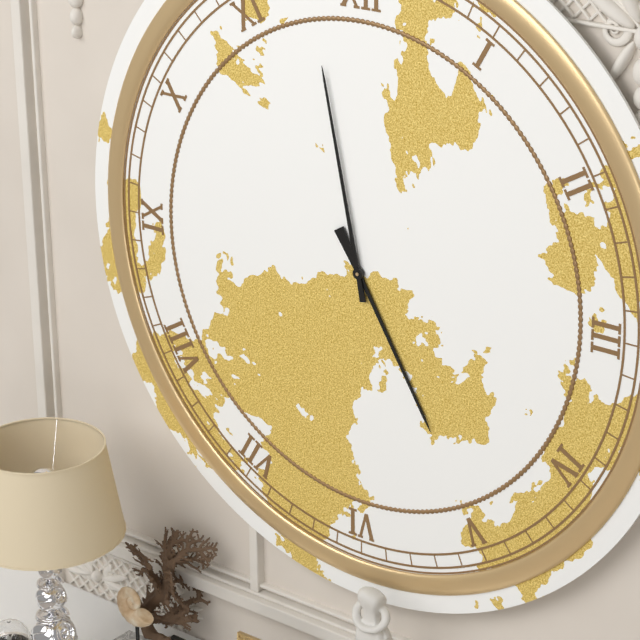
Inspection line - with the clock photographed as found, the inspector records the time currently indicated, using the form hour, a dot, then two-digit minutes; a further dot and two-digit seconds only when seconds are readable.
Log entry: 4.58
